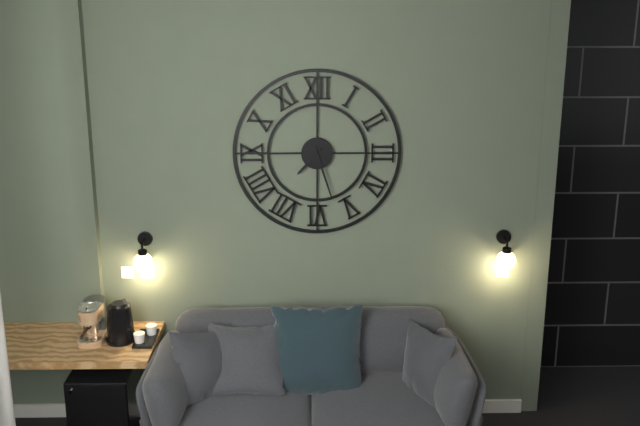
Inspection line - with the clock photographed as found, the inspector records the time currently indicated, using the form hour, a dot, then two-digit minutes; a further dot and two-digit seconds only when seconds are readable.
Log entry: 7.27
